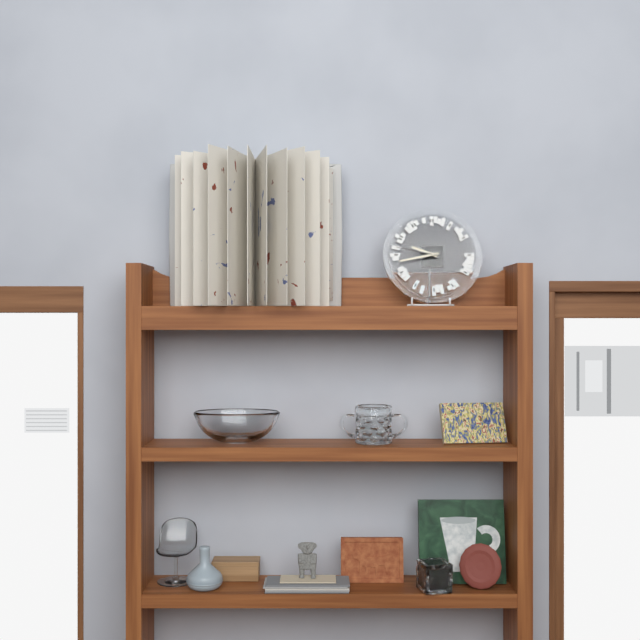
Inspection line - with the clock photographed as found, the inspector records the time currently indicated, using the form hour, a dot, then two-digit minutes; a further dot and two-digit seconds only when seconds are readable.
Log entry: 9.43
